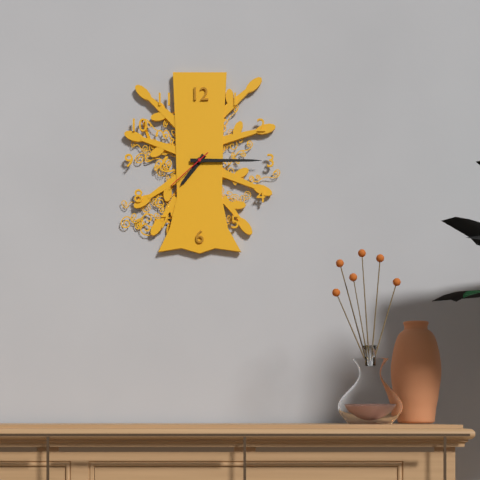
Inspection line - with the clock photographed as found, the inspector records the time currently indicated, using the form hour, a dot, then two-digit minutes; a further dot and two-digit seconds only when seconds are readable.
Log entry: 7.15.38
